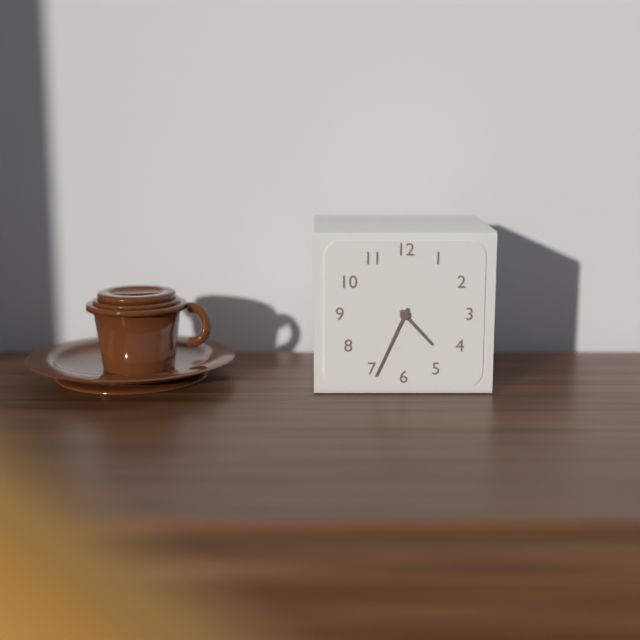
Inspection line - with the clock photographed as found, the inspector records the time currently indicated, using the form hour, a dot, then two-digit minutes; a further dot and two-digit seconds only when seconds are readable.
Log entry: 4.34
